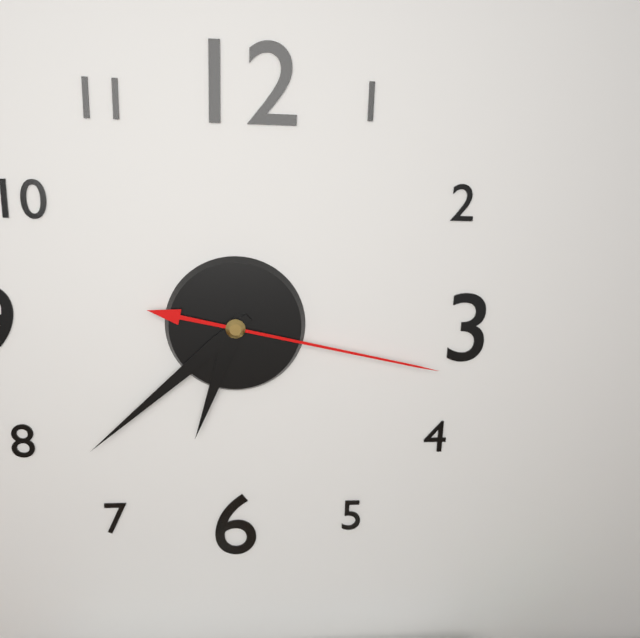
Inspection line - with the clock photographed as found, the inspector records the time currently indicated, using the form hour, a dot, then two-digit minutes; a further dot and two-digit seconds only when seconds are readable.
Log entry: 6.38.17
